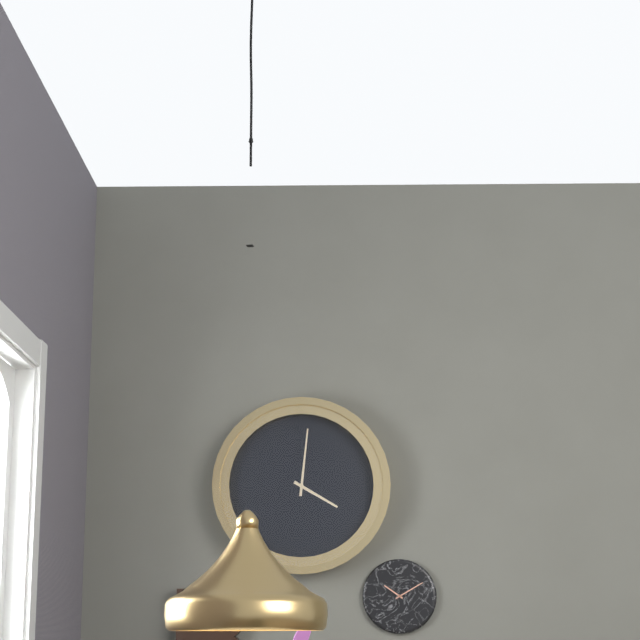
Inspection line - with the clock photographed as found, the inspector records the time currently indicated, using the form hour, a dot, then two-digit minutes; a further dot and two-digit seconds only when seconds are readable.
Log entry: 4.01
